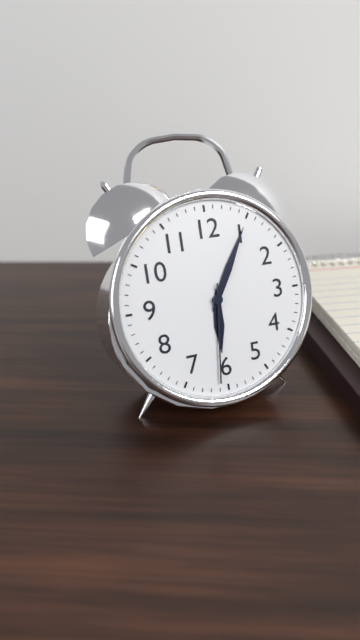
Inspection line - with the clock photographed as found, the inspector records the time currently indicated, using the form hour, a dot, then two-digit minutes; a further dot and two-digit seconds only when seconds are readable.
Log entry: 6.05.31
